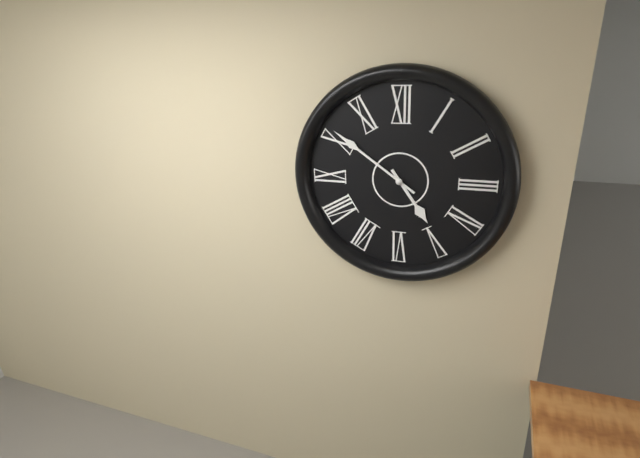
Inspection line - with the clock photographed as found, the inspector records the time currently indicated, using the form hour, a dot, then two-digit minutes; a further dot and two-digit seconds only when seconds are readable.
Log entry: 4.51
